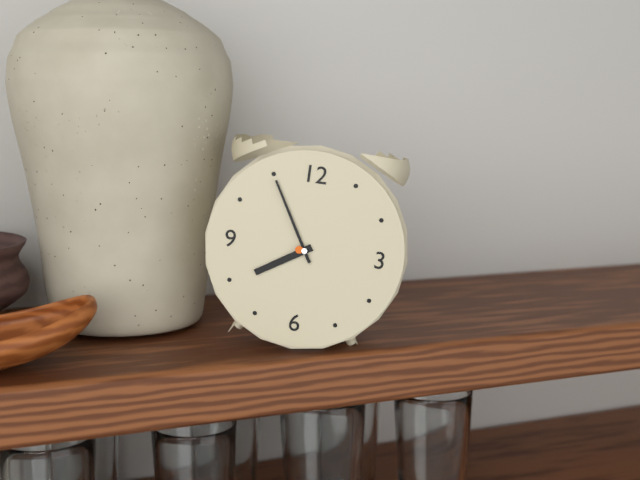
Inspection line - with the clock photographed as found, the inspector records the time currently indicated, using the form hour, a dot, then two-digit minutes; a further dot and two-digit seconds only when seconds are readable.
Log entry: 7.55
